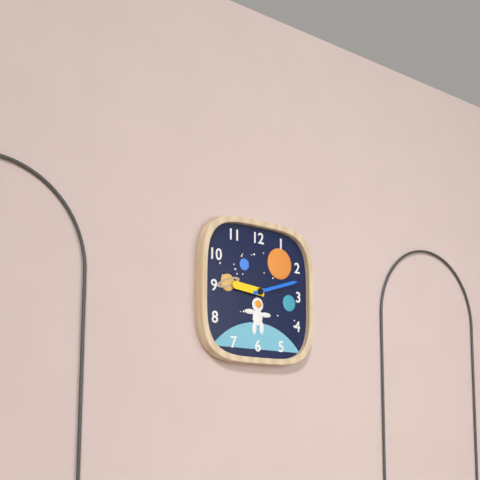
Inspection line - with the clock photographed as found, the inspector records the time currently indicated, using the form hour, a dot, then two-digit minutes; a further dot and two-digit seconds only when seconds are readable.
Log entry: 9.12
